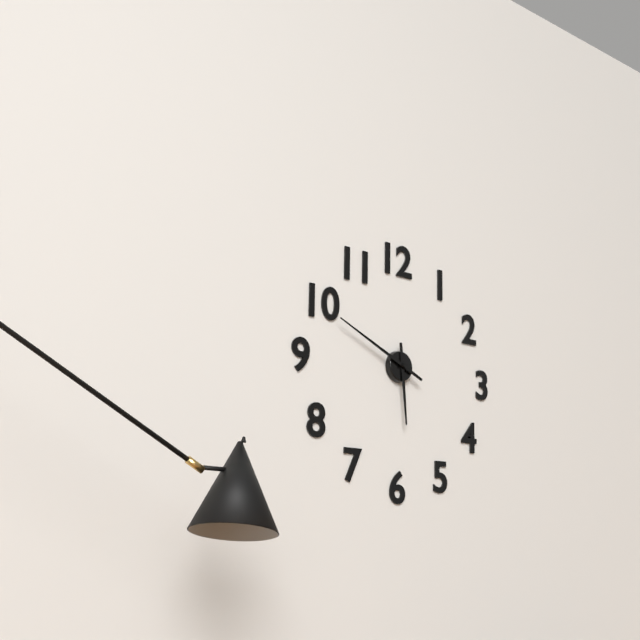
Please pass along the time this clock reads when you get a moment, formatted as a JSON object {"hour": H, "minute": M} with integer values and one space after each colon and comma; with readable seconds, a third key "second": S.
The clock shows {"hour": 5, "minute": 49}
